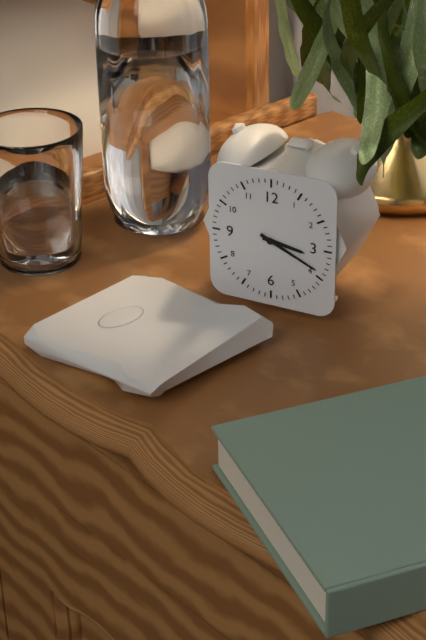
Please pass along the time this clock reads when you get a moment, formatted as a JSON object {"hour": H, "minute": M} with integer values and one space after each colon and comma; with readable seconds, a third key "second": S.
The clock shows {"hour": 3, "minute": 19}
